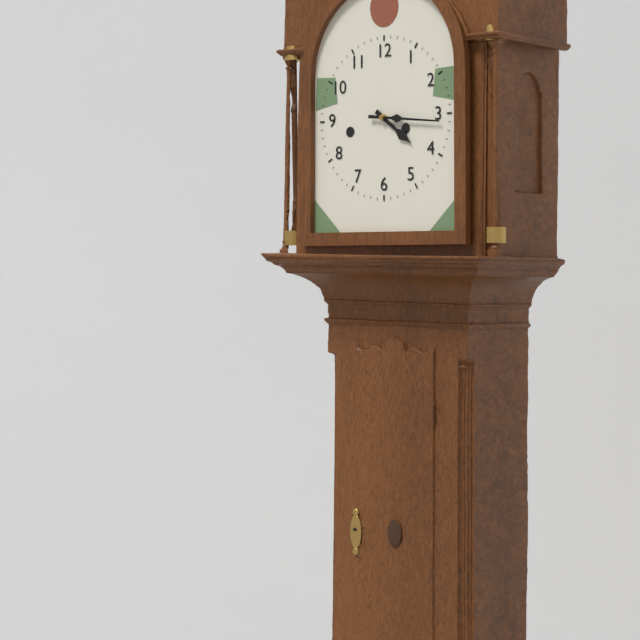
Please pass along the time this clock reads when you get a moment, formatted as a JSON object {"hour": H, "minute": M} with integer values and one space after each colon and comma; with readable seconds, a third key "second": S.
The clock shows {"hour": 4, "minute": 16}
